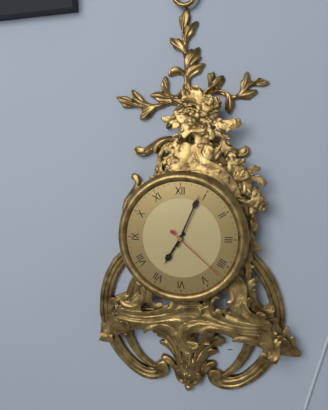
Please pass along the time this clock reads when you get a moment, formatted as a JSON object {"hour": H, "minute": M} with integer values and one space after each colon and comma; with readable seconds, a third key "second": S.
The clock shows {"hour": 7, "minute": 4, "second": 22}
